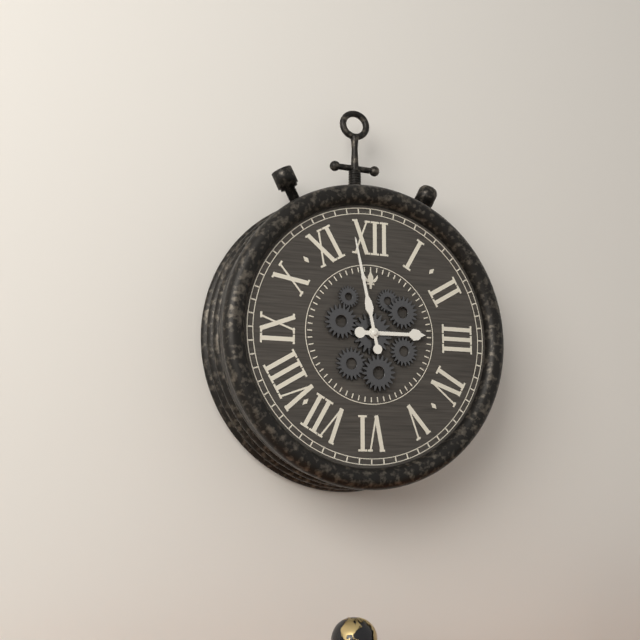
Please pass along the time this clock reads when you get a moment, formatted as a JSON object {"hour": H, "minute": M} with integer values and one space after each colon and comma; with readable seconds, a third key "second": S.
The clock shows {"hour": 2, "minute": 58}
